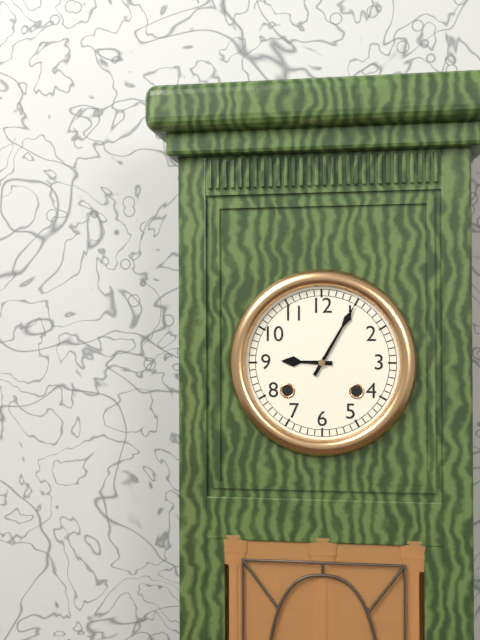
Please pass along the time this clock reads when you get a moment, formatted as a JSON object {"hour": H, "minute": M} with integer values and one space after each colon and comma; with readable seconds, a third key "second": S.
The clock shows {"hour": 9, "minute": 5}
